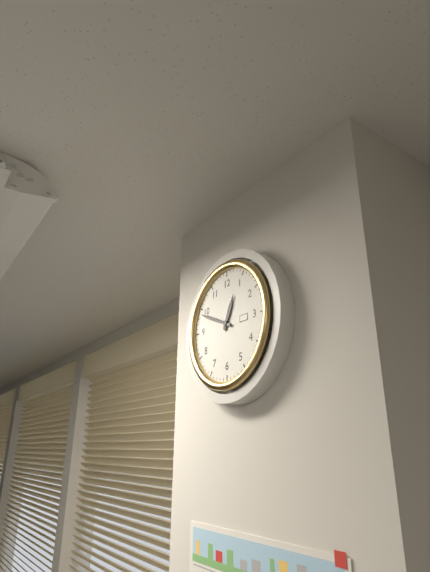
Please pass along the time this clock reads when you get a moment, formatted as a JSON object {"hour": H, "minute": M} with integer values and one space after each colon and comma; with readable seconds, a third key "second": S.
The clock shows {"hour": 12, "minute": 49}
